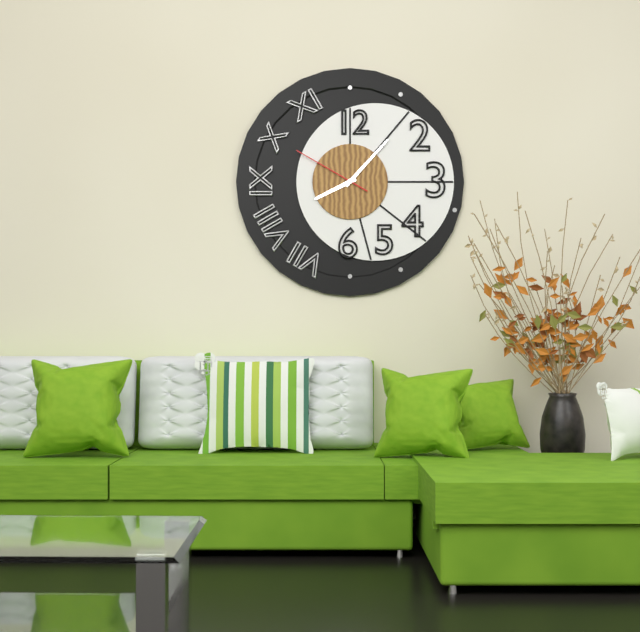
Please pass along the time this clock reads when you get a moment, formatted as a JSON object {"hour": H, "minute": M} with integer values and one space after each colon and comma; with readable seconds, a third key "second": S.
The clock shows {"hour": 8, "minute": 7, "second": 50}
